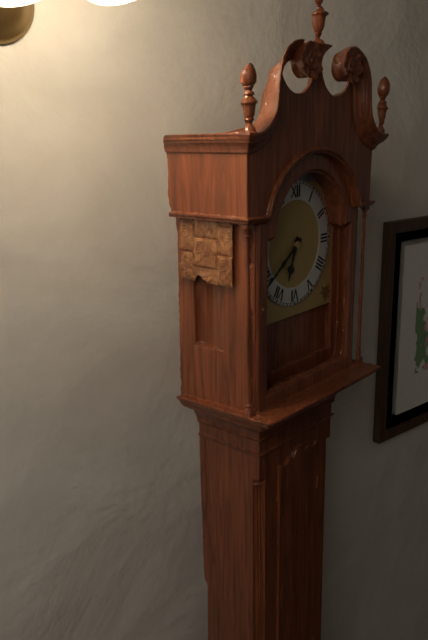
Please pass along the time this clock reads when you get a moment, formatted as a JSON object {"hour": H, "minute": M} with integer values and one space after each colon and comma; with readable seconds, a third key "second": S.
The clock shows {"hour": 6, "minute": 39}
